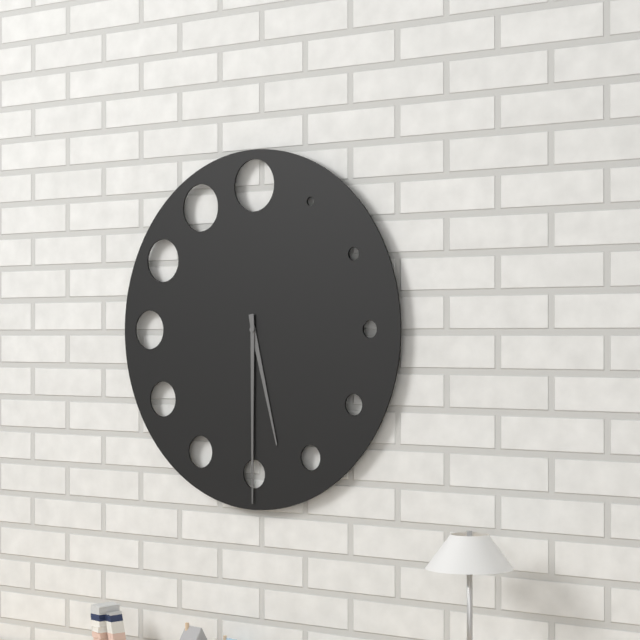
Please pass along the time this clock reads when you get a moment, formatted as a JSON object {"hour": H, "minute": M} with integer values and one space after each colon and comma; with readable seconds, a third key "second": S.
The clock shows {"hour": 5, "minute": 30}
